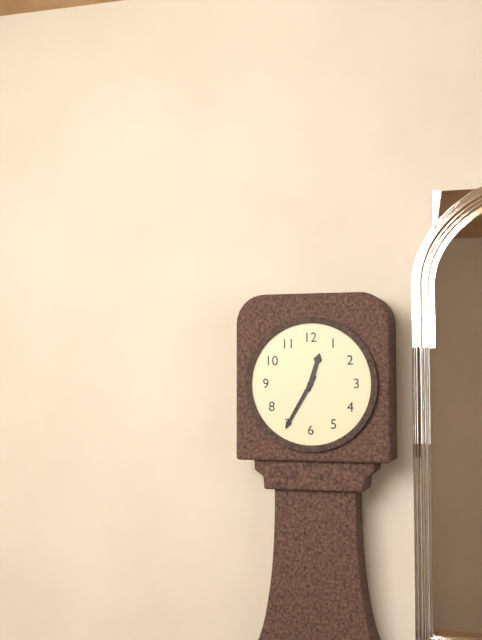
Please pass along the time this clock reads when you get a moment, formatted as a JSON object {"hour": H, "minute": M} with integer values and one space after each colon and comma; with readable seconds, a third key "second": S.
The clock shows {"hour": 12, "minute": 35}
